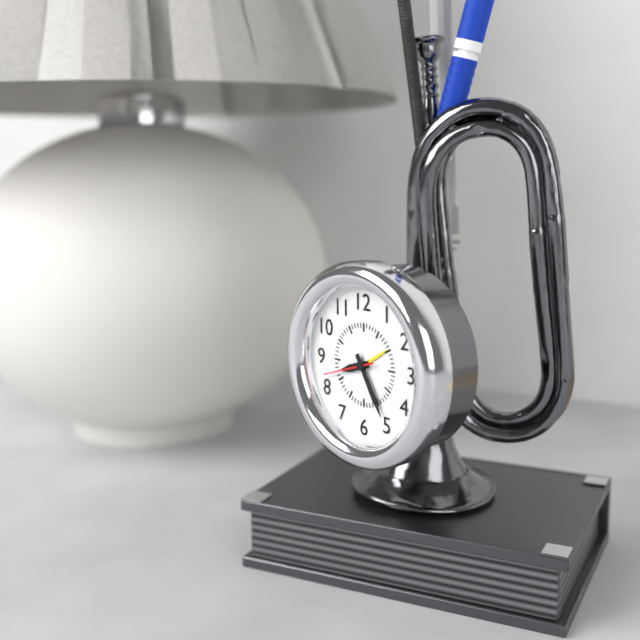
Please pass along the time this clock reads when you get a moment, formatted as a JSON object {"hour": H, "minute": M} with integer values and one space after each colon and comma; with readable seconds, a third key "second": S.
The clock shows {"hour": 8, "minute": 25, "second": 42}
